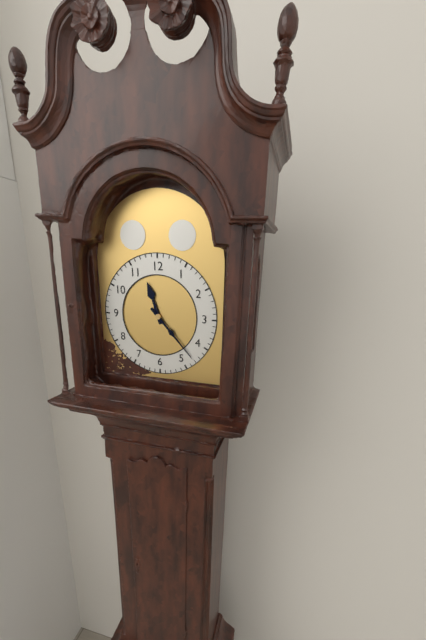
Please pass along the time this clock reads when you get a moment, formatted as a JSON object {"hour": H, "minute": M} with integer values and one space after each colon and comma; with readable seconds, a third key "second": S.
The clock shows {"hour": 11, "minute": 23}
